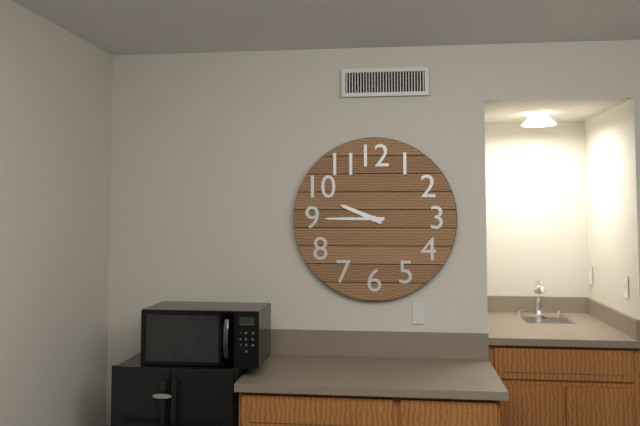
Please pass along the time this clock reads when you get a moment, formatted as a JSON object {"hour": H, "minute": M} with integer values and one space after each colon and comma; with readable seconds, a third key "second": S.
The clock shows {"hour": 9, "minute": 45}
